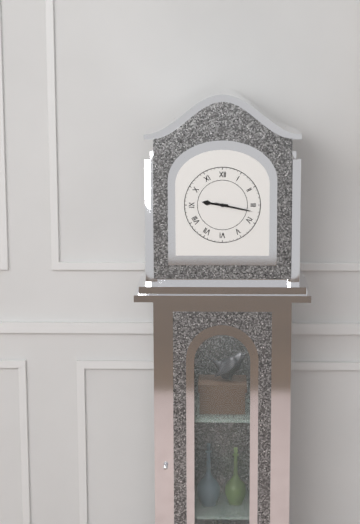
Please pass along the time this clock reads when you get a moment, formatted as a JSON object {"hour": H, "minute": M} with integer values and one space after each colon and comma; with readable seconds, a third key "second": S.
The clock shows {"hour": 9, "minute": 17}
